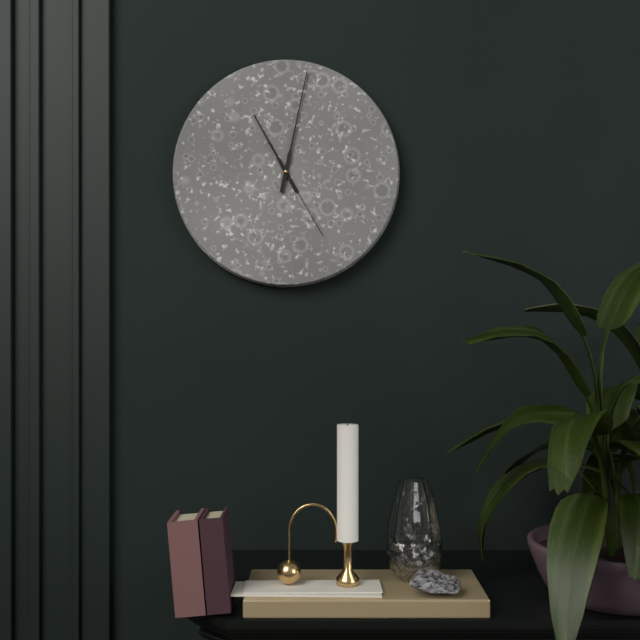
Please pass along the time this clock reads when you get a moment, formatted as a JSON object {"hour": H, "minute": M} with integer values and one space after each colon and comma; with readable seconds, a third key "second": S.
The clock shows {"hour": 11, "minute": 2, "second": 25}
